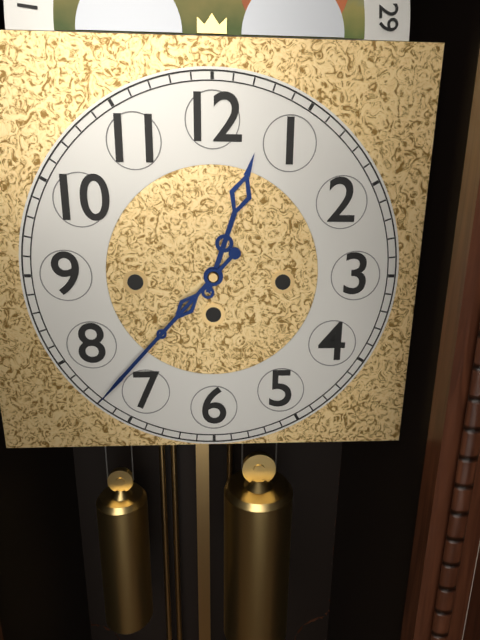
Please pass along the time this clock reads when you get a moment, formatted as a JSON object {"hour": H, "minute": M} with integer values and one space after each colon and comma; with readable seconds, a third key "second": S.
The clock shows {"hour": 12, "minute": 37}
